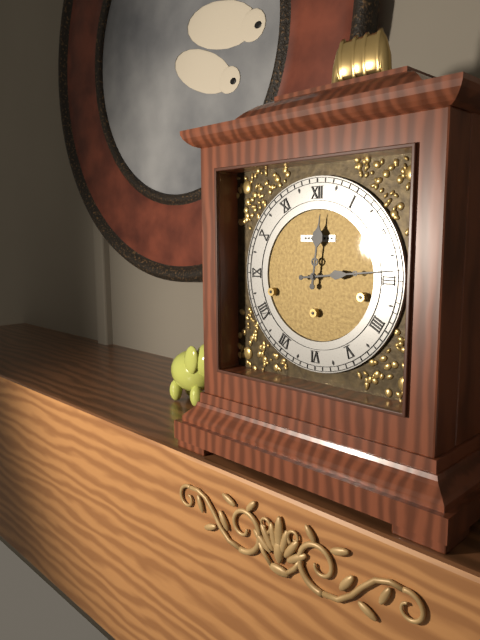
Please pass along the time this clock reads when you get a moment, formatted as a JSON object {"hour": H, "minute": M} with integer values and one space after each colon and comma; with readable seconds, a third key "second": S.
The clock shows {"hour": 12, "minute": 14}
